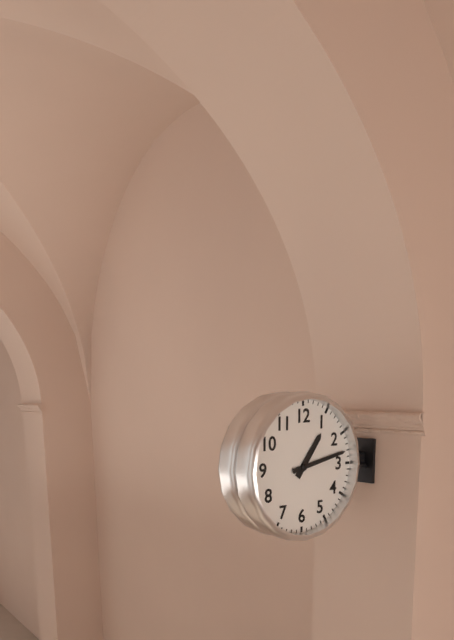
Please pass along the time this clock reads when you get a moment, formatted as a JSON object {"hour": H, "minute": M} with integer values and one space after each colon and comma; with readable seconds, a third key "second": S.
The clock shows {"hour": 1, "minute": 13}
